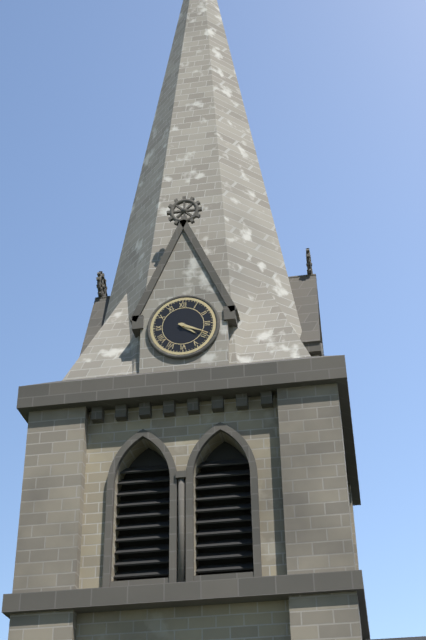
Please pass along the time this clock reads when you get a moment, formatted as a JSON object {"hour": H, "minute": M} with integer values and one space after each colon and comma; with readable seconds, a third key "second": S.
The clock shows {"hour": 4, "minute": 19}
